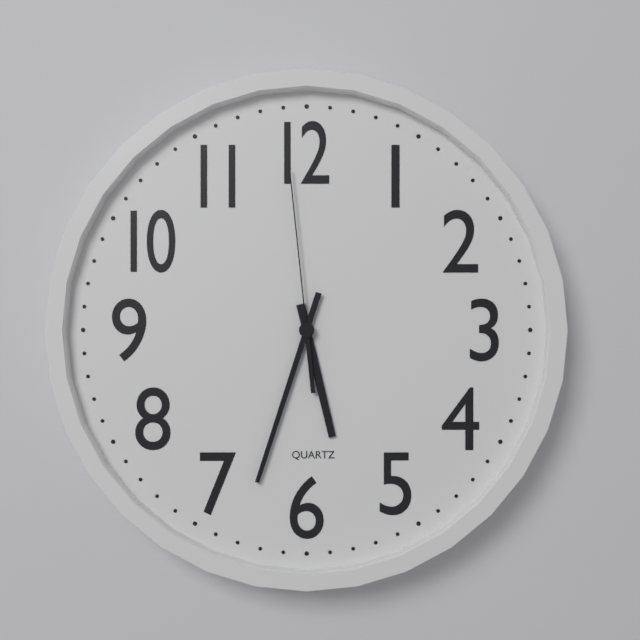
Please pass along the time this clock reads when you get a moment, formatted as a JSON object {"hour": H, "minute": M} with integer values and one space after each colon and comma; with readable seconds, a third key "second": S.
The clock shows {"hour": 5, "minute": 33, "second": 59}
